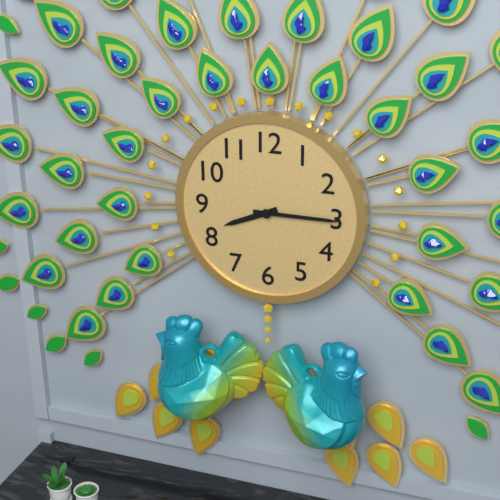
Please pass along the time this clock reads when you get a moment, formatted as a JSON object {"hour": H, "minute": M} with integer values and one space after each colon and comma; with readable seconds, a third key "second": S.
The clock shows {"hour": 8, "minute": 15}
